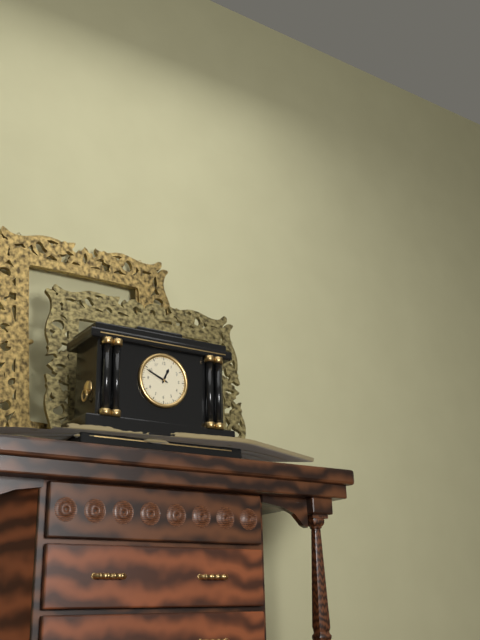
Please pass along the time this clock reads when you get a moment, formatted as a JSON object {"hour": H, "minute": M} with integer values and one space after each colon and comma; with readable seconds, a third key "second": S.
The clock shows {"hour": 12, "minute": 49}
